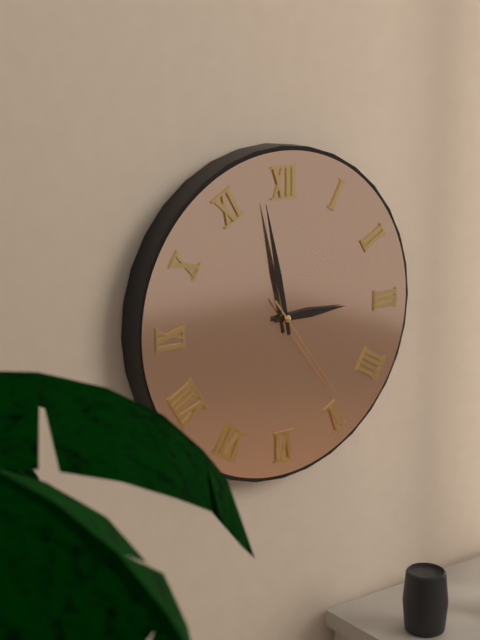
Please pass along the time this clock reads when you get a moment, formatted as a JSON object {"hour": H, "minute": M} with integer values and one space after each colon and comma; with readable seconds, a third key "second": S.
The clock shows {"hour": 2, "minute": 58, "second": 24}
